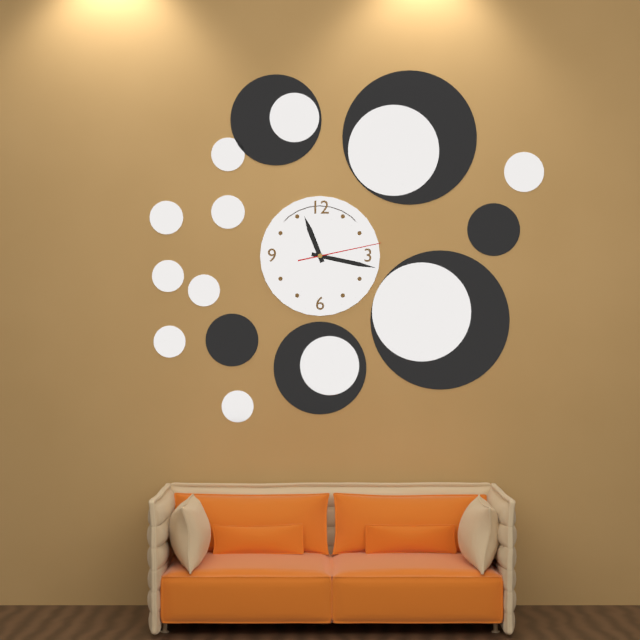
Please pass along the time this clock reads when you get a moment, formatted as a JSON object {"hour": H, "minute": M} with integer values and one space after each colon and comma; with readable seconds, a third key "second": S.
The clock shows {"hour": 11, "minute": 17, "second": 13}
